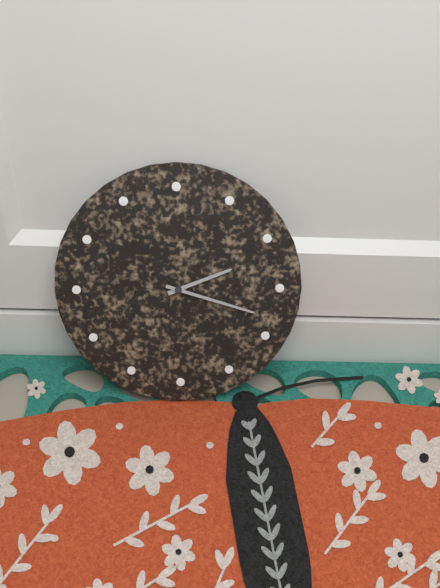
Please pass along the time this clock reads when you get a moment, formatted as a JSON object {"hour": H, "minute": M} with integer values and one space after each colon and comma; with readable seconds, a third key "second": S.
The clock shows {"hour": 2, "minute": 18}
